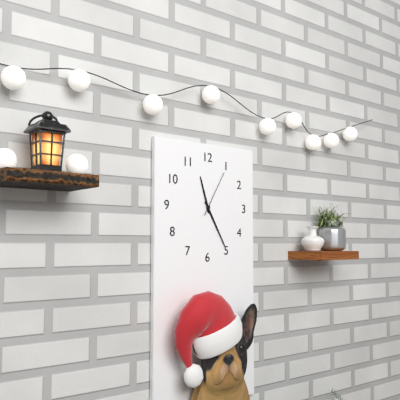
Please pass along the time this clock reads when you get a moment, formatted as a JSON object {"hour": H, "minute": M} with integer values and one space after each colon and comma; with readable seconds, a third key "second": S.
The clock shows {"hour": 11, "minute": 25}
